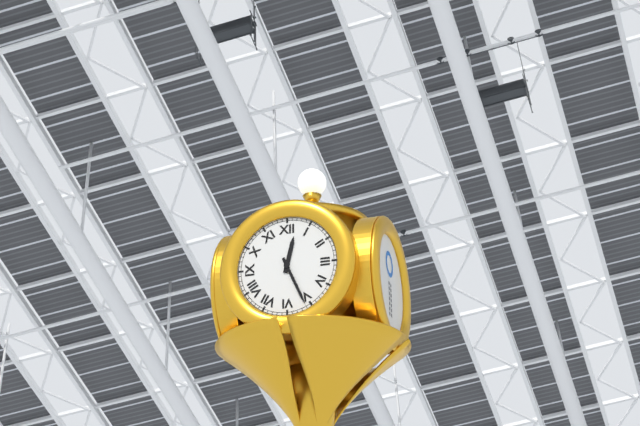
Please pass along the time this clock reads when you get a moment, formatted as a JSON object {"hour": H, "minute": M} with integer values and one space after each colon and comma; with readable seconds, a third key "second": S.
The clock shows {"hour": 12, "minute": 26}
